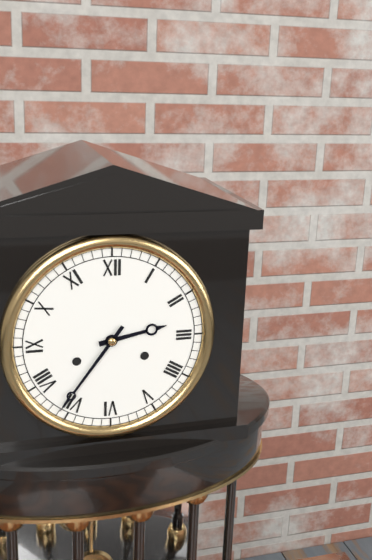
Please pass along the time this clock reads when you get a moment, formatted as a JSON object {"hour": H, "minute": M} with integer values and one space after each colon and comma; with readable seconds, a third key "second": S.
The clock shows {"hour": 2, "minute": 36}
